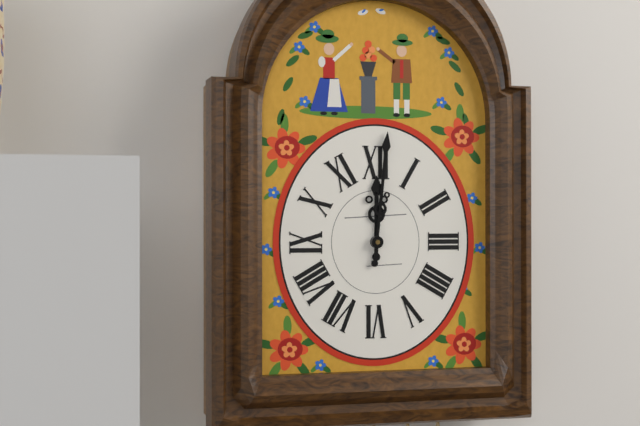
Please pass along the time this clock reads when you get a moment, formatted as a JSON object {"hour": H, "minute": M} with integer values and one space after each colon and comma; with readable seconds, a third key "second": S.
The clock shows {"hour": 12, "minute": 1}
